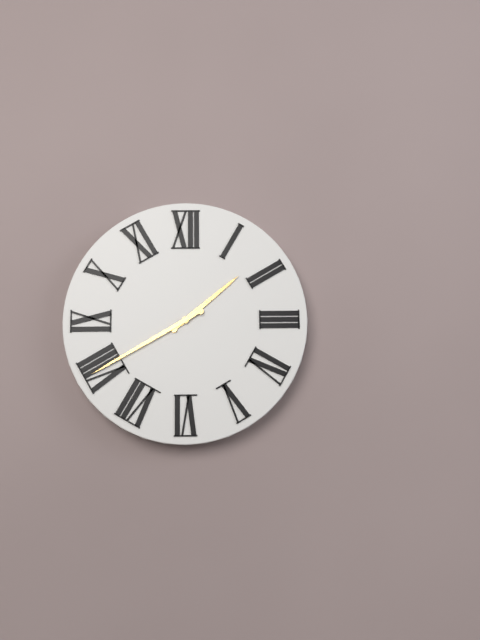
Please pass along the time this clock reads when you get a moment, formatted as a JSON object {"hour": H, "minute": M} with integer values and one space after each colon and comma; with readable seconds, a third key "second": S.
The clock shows {"hour": 1, "minute": 40}
